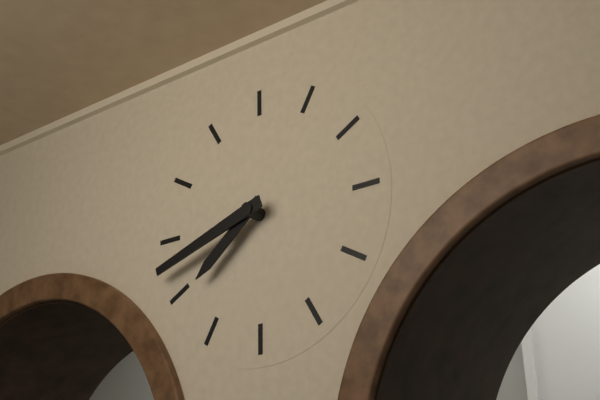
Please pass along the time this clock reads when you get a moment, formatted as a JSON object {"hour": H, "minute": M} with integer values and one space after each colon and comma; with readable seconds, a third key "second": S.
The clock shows {"hour": 7, "minute": 42}
